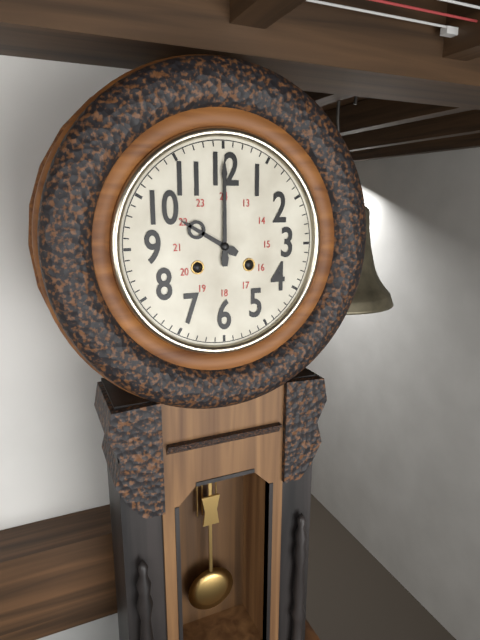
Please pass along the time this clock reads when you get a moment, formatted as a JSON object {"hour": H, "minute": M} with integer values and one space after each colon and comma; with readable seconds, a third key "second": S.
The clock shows {"hour": 10, "minute": 0}
